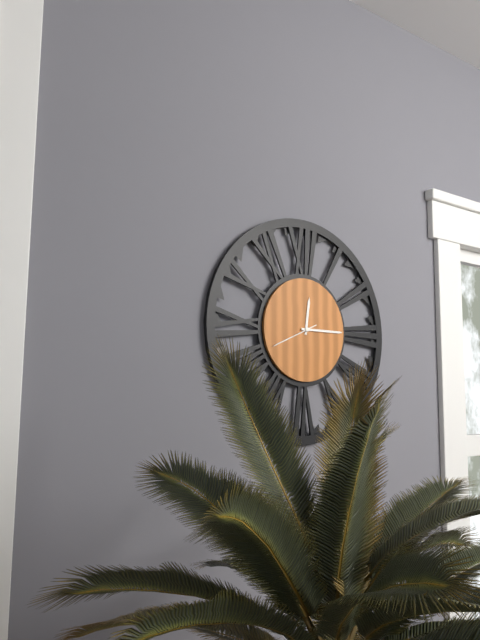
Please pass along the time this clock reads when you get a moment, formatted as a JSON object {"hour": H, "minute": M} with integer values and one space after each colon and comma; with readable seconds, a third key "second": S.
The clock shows {"hour": 12, "minute": 15}
